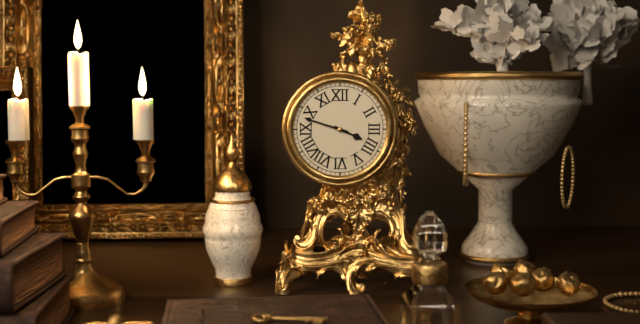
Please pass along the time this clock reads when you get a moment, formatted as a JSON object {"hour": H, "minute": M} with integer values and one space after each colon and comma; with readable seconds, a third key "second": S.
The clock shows {"hour": 3, "minute": 48}
